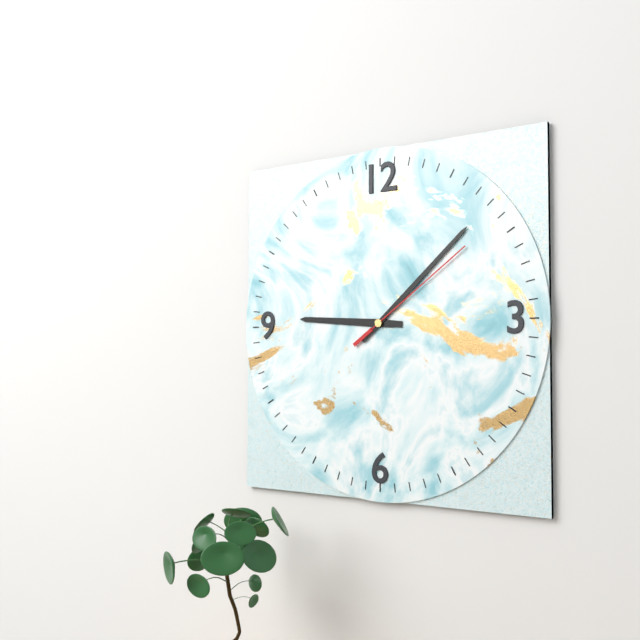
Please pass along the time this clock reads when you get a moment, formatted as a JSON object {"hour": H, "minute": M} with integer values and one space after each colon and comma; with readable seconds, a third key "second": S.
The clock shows {"hour": 9, "minute": 8, "second": 9}
